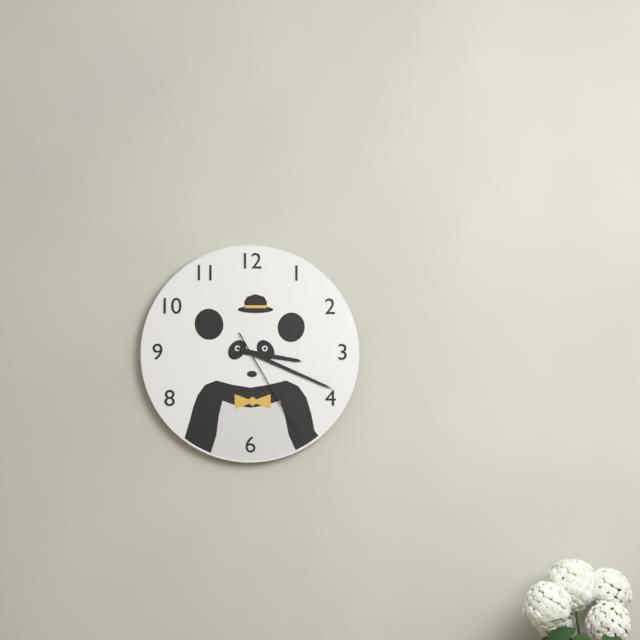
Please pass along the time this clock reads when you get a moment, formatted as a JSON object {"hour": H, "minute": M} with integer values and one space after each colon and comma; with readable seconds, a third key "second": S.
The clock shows {"hour": 3, "minute": 19, "second": 25}
